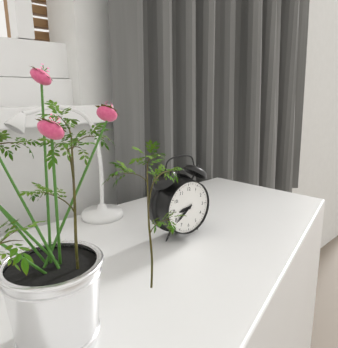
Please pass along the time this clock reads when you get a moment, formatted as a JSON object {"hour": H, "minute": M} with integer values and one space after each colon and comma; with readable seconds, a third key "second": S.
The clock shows {"hour": 8, "minute": 39}
